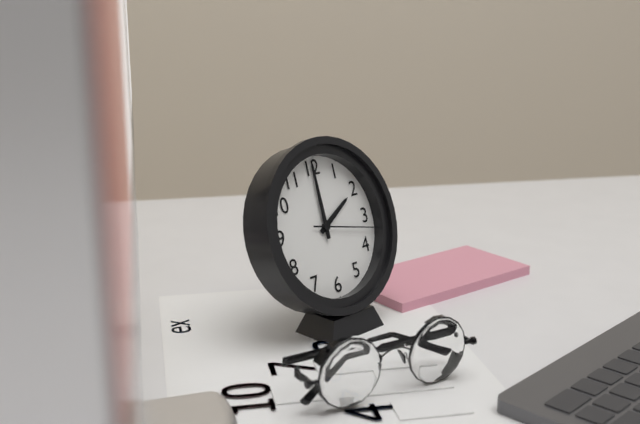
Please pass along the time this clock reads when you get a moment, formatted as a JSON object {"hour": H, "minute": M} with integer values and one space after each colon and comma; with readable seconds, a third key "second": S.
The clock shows {"hour": 2, "minute": 0, "second": 17}
